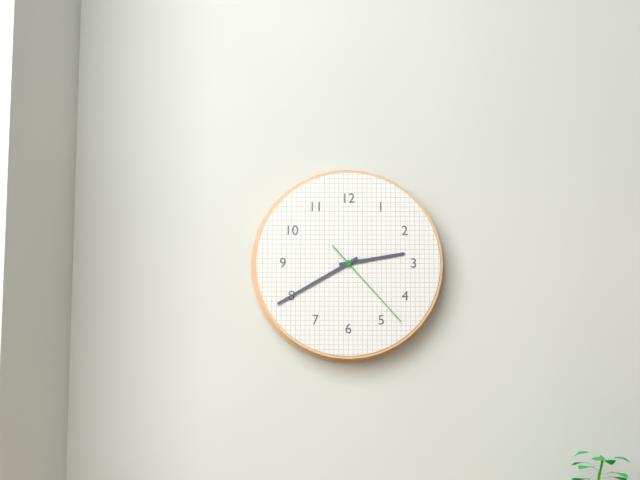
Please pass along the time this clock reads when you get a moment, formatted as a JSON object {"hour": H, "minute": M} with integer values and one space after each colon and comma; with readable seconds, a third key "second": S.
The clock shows {"hour": 2, "minute": 40, "second": 23}
